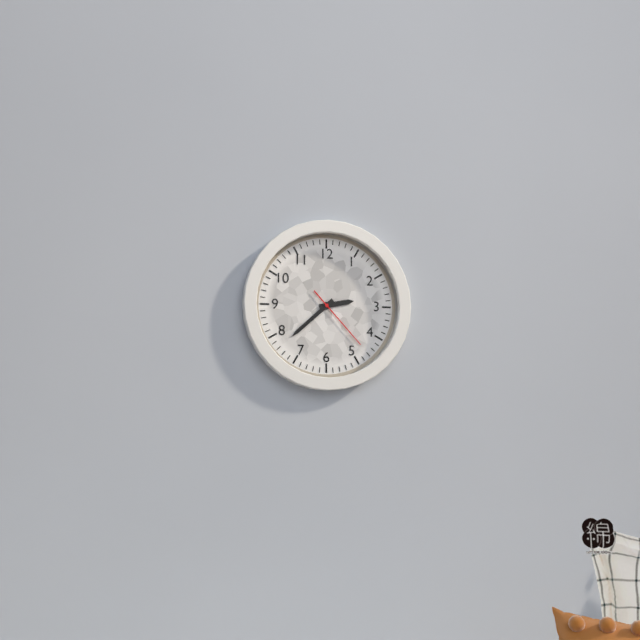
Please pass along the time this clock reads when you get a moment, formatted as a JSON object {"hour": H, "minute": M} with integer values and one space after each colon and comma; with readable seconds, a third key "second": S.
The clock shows {"hour": 2, "minute": 38, "second": 23}
